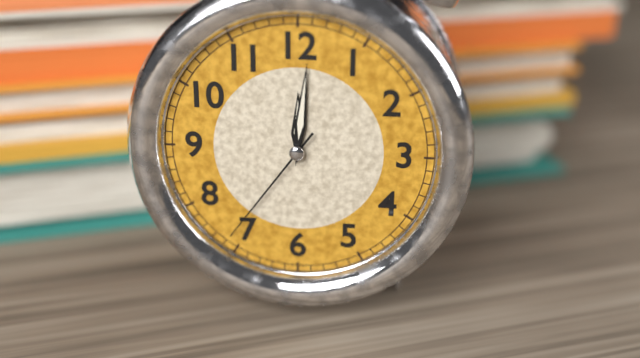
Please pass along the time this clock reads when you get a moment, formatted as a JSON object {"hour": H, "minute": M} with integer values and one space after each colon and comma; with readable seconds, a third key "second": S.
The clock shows {"hour": 12, "minute": 1, "second": 36}
